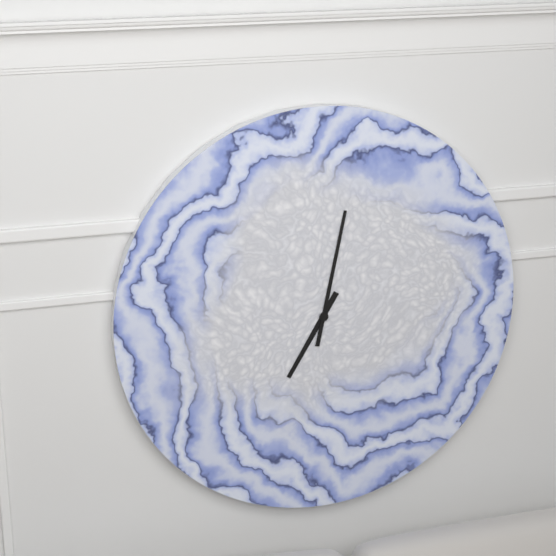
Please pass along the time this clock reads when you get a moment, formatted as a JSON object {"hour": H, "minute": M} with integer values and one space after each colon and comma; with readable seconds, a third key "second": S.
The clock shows {"hour": 7, "minute": 2}
